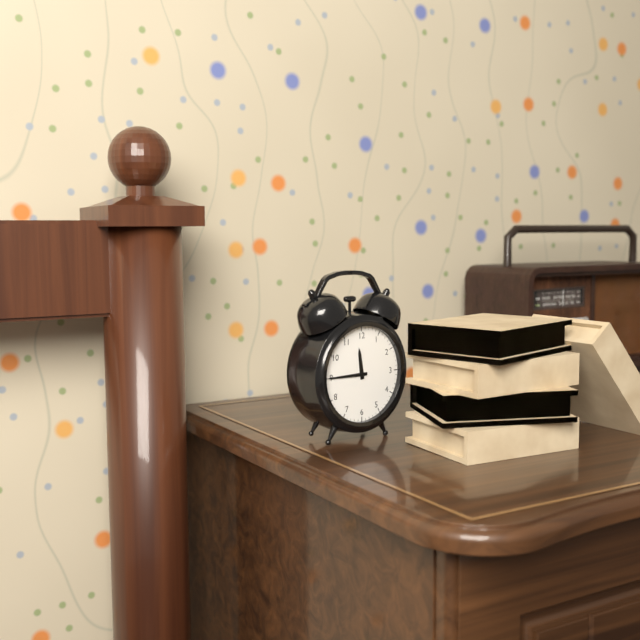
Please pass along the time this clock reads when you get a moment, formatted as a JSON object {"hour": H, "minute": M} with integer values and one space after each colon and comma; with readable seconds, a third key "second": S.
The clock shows {"hour": 11, "minute": 45}
